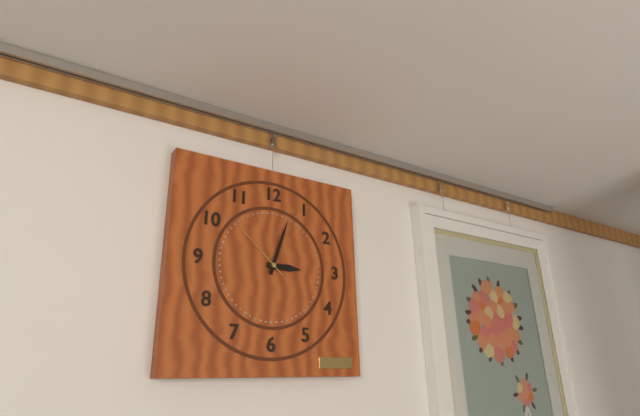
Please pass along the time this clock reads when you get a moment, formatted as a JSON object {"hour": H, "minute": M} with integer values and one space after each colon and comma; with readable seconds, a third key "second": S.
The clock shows {"hour": 3, "minute": 3, "second": 52}
